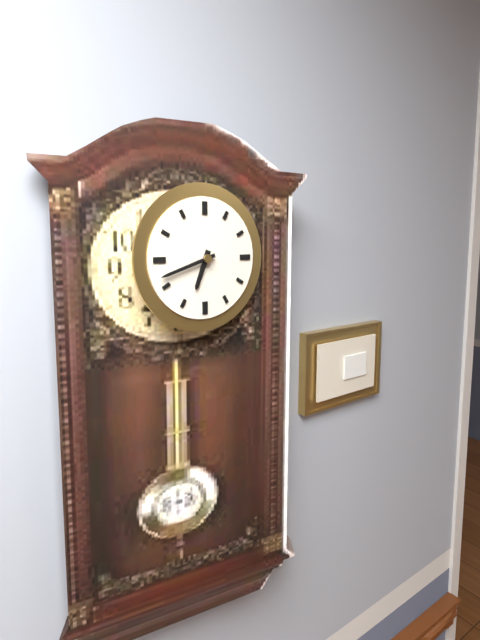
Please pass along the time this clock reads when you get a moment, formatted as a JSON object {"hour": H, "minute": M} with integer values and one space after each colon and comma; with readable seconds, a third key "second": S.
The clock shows {"hour": 6, "minute": 42}
